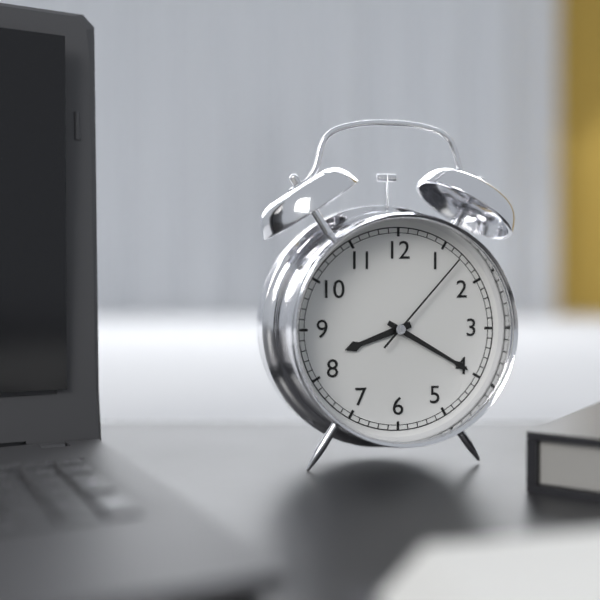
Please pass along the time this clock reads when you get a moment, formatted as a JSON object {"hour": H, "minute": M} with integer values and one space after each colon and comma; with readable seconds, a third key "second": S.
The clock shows {"hour": 8, "minute": 20, "second": 7}
